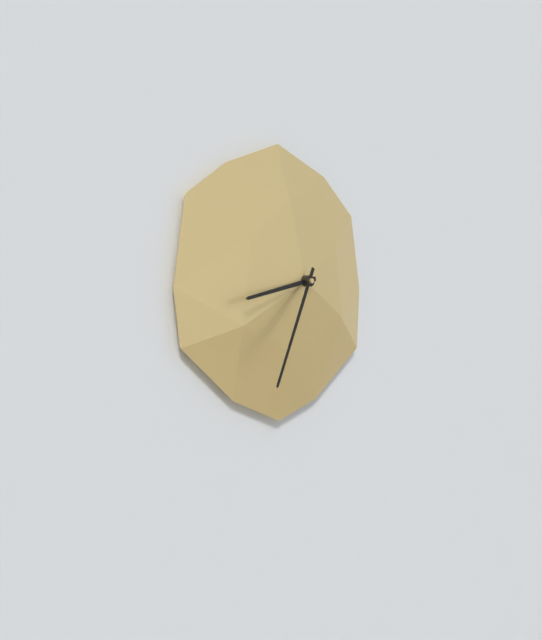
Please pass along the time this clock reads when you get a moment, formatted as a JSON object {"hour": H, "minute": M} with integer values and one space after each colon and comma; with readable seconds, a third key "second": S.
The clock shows {"hour": 8, "minute": 34}
